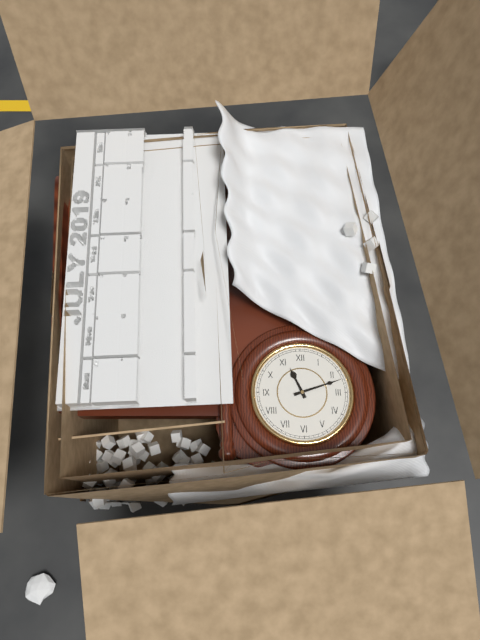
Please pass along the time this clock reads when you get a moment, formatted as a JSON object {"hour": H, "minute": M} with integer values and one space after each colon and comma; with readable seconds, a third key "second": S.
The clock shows {"hour": 11, "minute": 12}
